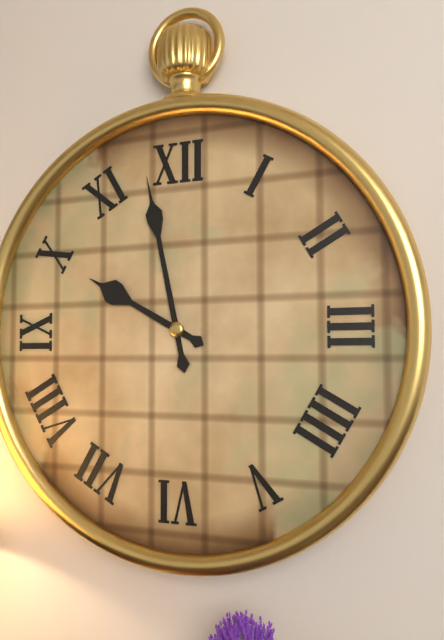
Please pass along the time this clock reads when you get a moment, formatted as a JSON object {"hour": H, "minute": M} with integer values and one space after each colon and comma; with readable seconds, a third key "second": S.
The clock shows {"hour": 9, "minute": 58}
